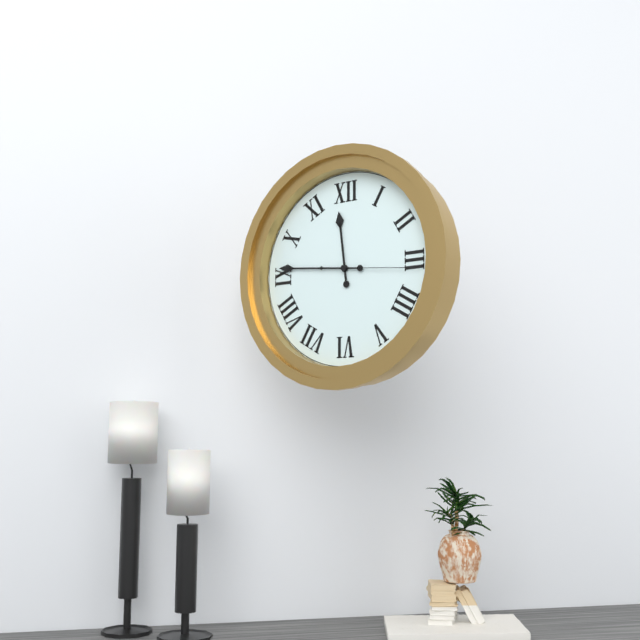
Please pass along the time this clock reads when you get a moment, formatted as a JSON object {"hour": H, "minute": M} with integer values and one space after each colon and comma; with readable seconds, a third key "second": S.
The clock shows {"hour": 11, "minute": 46, "second": 16}
